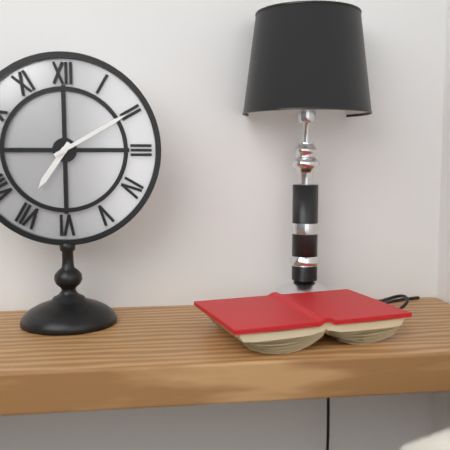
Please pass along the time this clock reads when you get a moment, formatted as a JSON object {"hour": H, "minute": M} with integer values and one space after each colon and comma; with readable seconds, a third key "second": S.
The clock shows {"hour": 7, "minute": 10}
